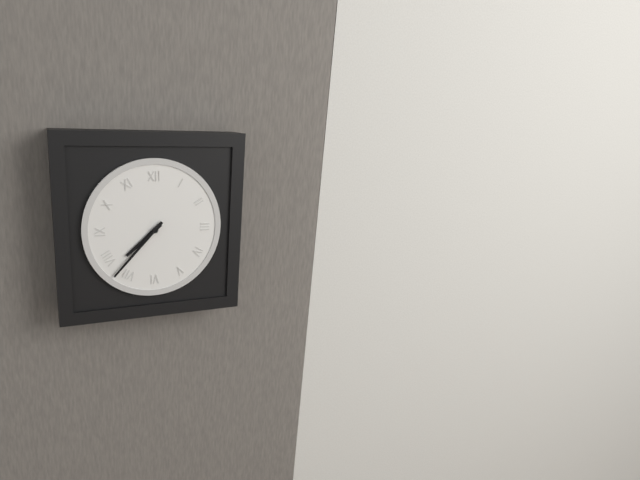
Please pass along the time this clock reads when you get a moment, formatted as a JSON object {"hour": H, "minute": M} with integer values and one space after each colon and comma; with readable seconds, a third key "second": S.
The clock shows {"hour": 7, "minute": 37}
